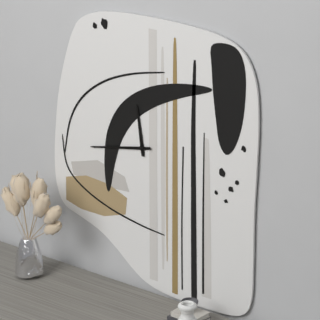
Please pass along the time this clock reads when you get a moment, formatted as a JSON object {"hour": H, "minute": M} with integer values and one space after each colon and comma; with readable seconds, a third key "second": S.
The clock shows {"hour": 11, "minute": 43}
